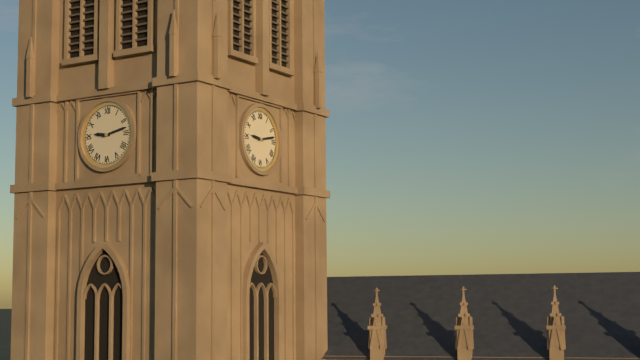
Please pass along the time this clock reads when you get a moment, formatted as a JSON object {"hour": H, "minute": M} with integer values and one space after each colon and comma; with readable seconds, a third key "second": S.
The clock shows {"hour": 9, "minute": 13}
